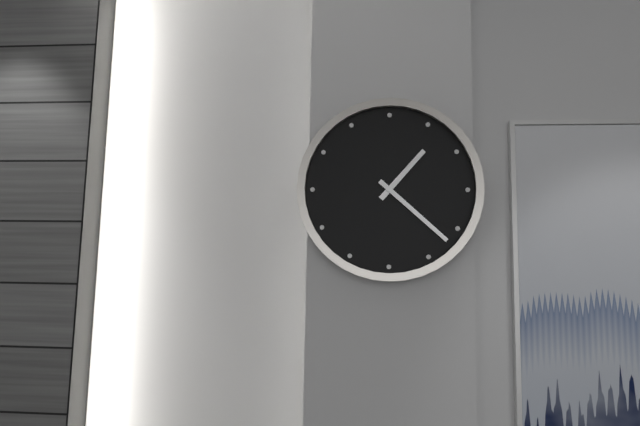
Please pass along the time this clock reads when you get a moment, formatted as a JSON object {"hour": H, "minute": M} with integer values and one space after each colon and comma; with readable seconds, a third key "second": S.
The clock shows {"hour": 1, "minute": 22}
